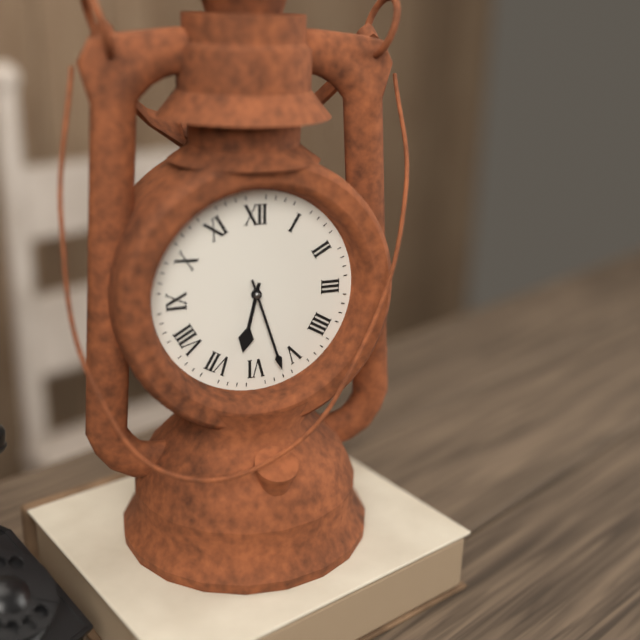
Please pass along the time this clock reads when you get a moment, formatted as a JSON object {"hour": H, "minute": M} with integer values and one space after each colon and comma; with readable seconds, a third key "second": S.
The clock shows {"hour": 6, "minute": 27}
